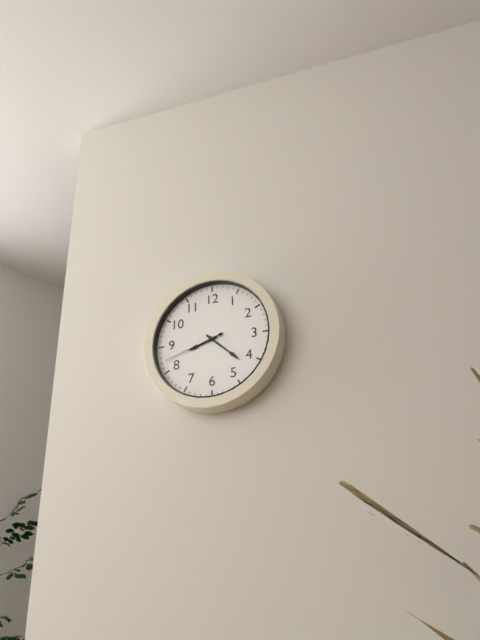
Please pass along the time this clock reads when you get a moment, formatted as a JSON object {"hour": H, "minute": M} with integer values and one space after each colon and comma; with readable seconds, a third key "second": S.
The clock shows {"hour": 8, "minute": 22, "second": 42}
